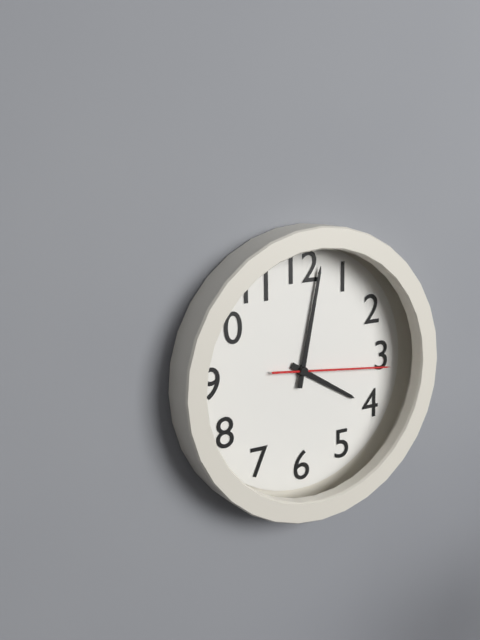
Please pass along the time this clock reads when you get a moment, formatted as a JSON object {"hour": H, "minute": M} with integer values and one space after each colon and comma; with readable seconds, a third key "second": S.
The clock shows {"hour": 4, "minute": 2, "second": 16}
